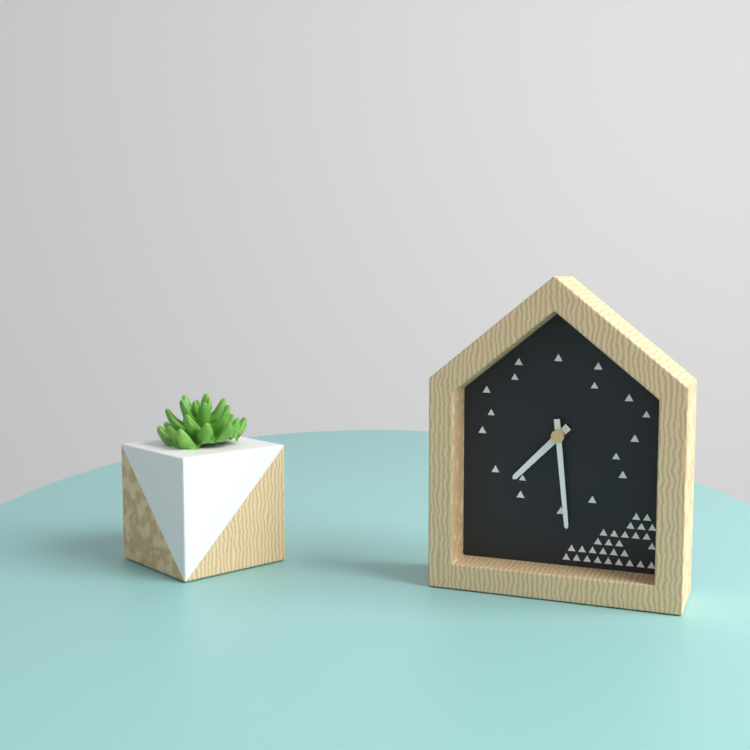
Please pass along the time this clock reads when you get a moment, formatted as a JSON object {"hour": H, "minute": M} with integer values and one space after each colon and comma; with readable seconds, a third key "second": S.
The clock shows {"hour": 7, "minute": 29}
